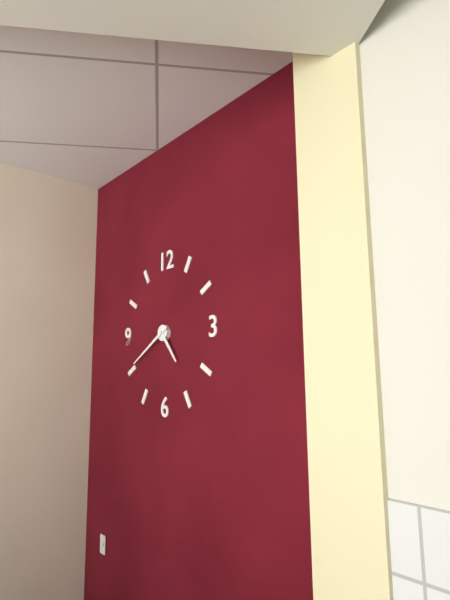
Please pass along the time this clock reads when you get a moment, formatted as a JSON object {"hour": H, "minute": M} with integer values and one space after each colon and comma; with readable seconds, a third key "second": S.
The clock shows {"hour": 4, "minute": 40}
